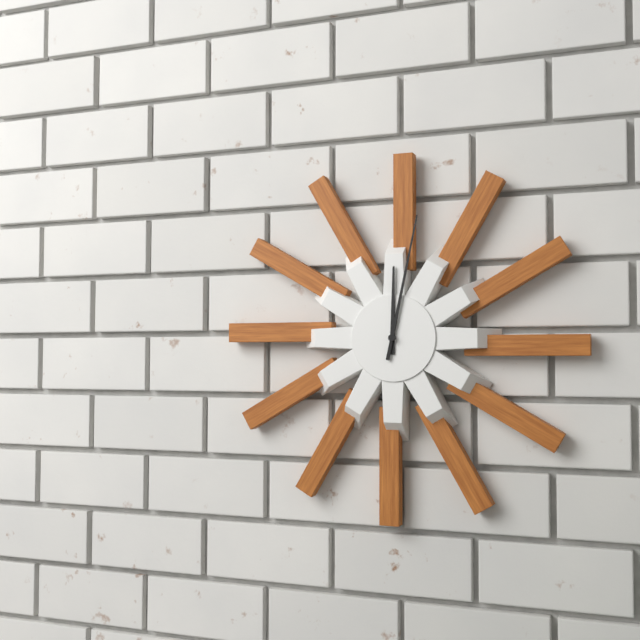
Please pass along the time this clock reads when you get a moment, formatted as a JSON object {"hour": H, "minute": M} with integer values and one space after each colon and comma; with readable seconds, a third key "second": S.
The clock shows {"hour": 12, "minute": 2}
